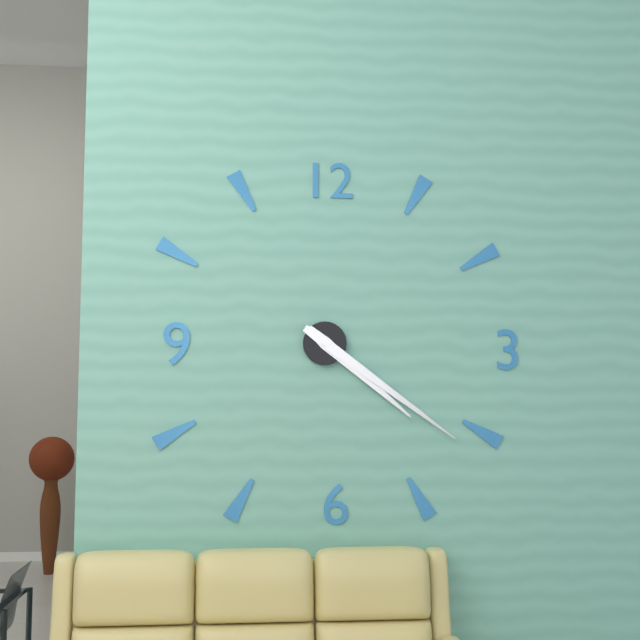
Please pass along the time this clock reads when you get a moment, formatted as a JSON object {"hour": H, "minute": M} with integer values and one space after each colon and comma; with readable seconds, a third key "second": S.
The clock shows {"hour": 4, "minute": 21}
